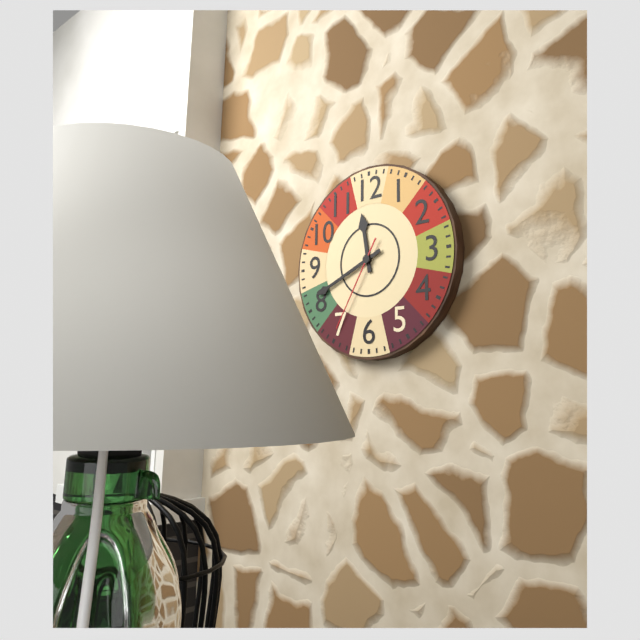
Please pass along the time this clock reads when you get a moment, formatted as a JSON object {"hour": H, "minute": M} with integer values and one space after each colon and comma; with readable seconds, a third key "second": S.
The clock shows {"hour": 11, "minute": 41, "second": 35}
